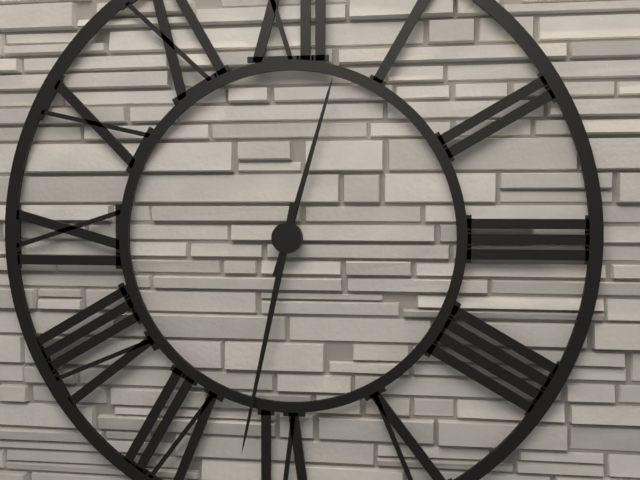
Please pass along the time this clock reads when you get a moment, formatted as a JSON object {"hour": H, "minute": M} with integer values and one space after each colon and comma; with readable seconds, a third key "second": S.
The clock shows {"hour": 12, "minute": 32}
